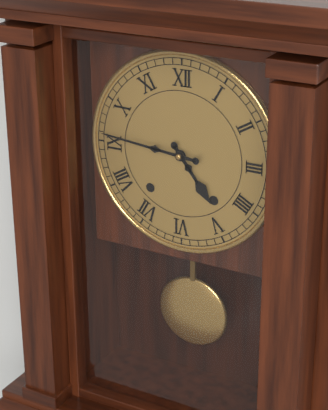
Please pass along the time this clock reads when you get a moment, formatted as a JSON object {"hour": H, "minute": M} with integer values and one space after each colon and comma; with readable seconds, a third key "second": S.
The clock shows {"hour": 4, "minute": 46}
